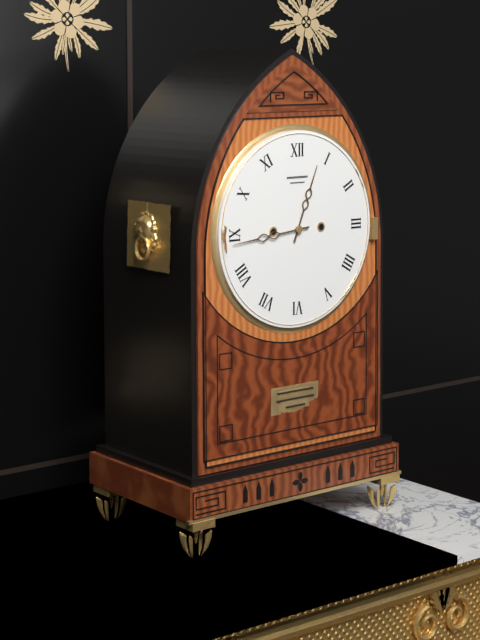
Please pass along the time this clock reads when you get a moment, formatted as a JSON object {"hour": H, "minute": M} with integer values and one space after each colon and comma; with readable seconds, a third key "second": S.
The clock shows {"hour": 12, "minute": 44}
